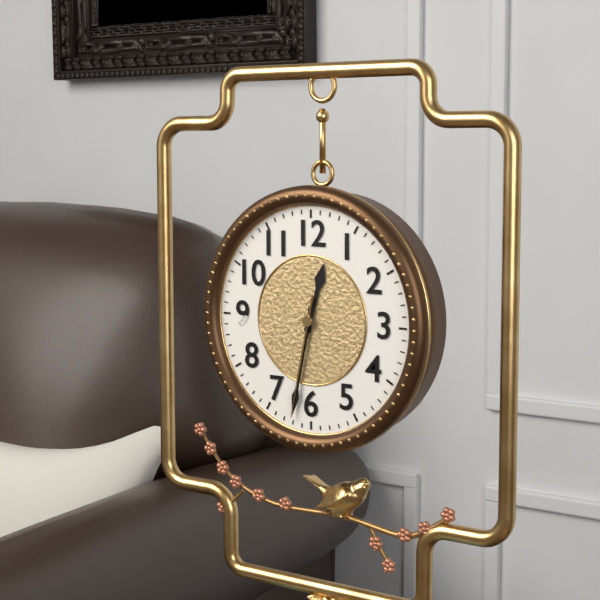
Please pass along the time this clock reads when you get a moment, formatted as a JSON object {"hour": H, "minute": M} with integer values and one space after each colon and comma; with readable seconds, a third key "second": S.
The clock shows {"hour": 12, "minute": 32, "second": 32}
